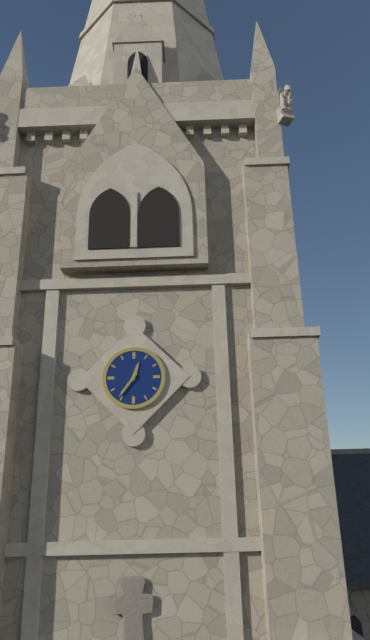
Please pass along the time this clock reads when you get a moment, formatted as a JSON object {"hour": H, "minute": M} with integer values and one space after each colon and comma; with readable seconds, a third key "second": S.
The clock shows {"hour": 12, "minute": 36}
